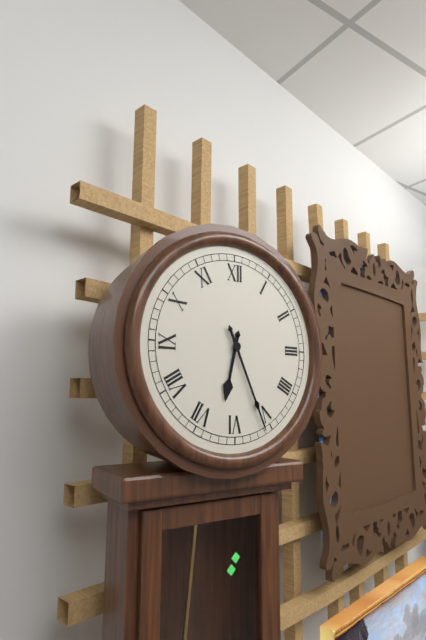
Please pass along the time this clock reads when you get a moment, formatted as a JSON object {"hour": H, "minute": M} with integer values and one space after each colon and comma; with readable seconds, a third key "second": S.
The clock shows {"hour": 6, "minute": 26}
